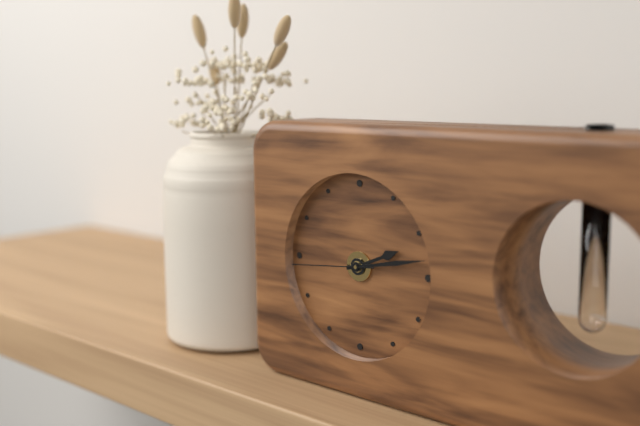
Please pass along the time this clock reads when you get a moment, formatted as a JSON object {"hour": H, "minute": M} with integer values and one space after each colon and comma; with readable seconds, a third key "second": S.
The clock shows {"hour": 2, "minute": 13, "second": 44}
